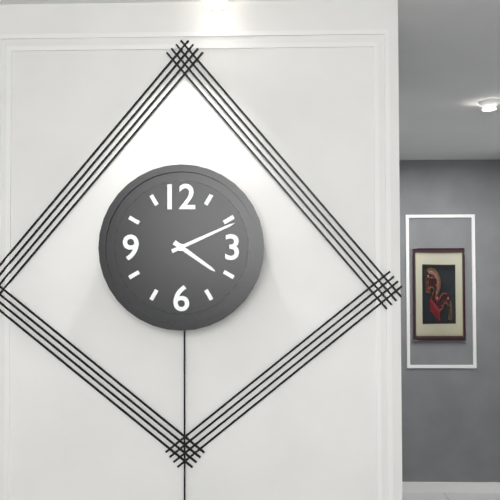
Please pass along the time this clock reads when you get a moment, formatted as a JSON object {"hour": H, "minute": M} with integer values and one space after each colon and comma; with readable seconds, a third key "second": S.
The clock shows {"hour": 4, "minute": 11}
